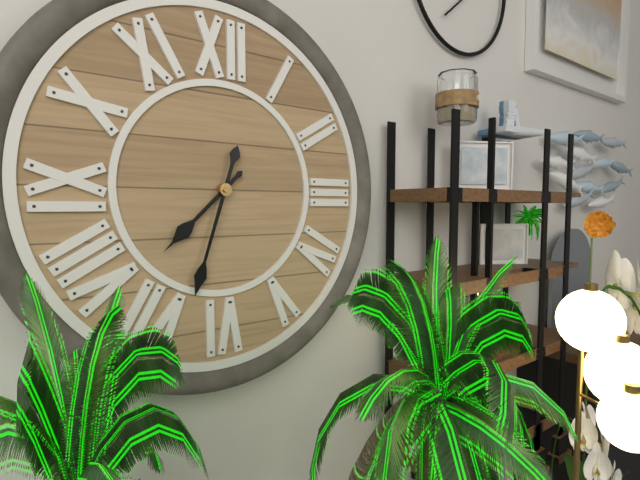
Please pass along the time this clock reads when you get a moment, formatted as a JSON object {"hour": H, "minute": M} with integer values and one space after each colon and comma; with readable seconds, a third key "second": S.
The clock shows {"hour": 7, "minute": 33}
